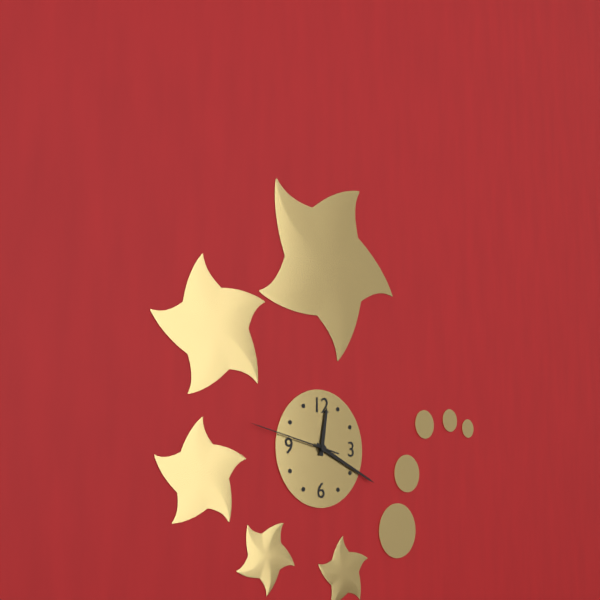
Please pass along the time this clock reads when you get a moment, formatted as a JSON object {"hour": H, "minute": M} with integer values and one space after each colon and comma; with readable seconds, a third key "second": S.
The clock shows {"hour": 12, "minute": 19, "second": 47}
